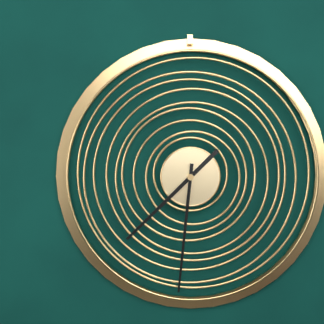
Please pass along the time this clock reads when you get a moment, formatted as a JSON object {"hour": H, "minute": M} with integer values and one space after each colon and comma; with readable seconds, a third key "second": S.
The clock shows {"hour": 7, "minute": 31}
